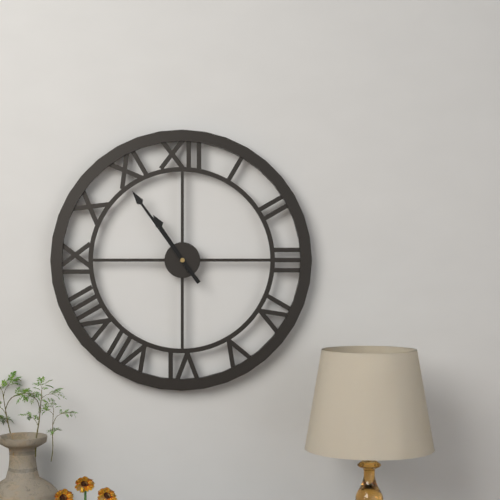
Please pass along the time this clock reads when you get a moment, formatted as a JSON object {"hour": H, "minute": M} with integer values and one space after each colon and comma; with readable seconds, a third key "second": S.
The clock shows {"hour": 10, "minute": 54}
